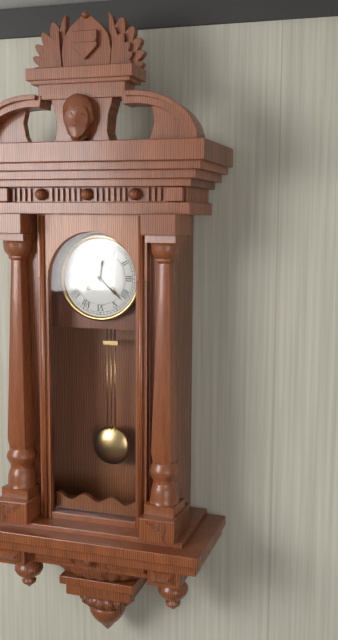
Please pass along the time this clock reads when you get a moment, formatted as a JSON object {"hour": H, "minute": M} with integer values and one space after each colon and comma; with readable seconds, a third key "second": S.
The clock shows {"hour": 12, "minute": 22}
